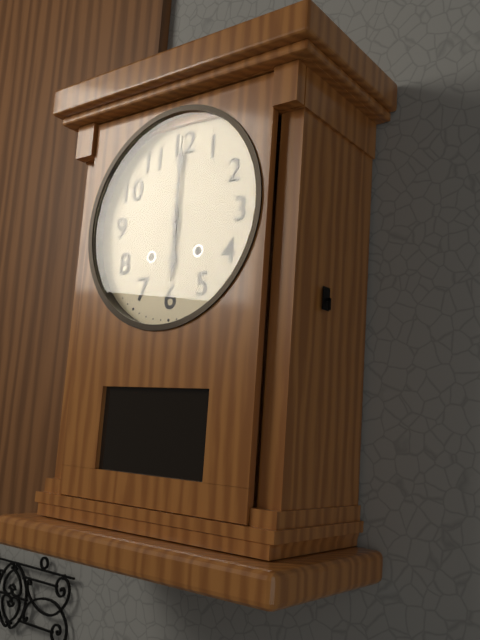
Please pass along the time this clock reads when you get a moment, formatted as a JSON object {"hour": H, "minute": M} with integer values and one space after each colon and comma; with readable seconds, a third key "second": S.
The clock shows {"hour": 6, "minute": 0}
